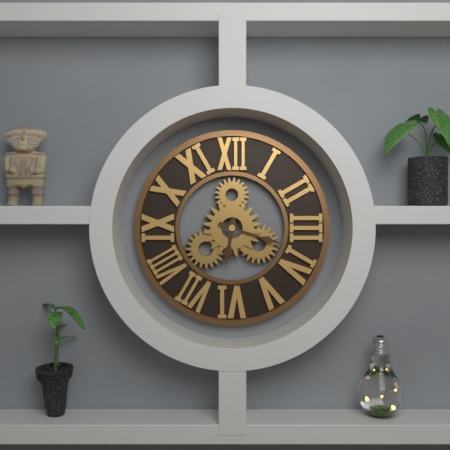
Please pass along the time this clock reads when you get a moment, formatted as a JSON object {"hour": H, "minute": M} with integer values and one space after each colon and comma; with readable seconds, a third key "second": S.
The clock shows {"hour": 6, "minute": 18}
